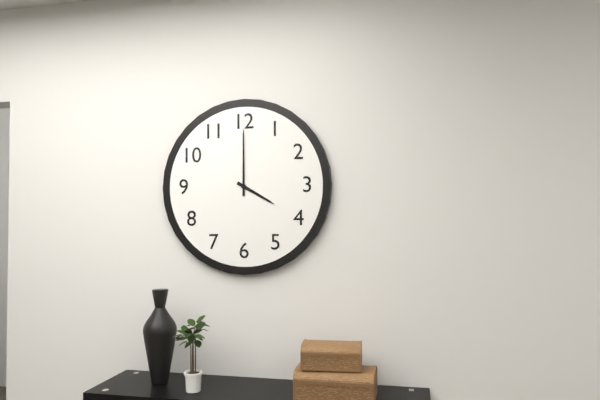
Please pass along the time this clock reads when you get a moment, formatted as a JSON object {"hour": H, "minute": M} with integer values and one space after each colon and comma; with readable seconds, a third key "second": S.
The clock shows {"hour": 4, "minute": 0}
